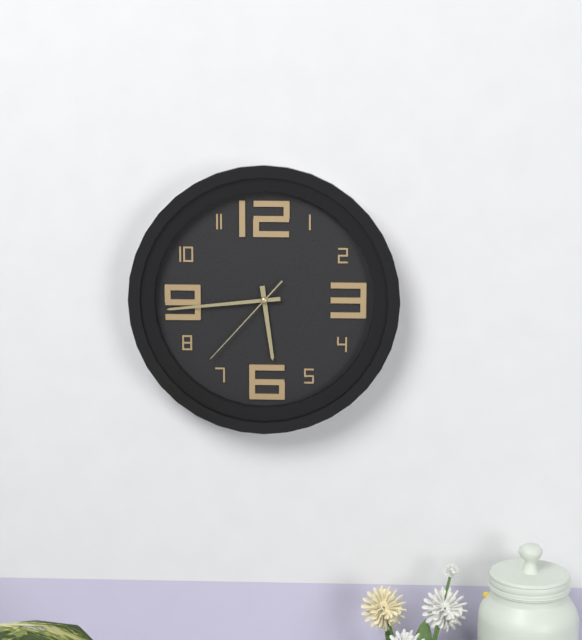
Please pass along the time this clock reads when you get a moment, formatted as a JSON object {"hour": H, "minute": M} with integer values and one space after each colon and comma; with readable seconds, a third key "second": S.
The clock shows {"hour": 5, "minute": 44, "second": 37}
